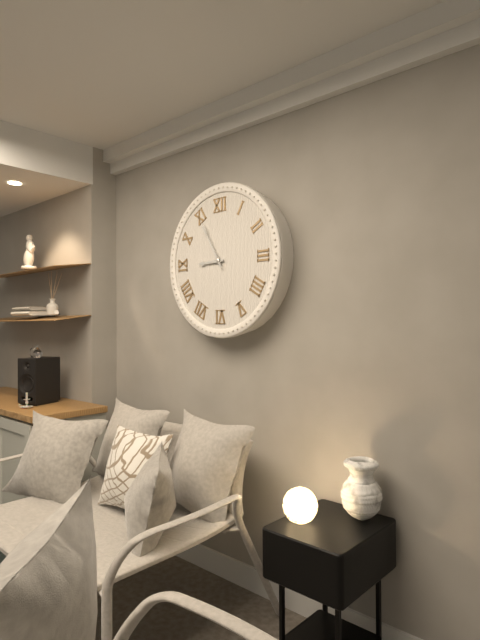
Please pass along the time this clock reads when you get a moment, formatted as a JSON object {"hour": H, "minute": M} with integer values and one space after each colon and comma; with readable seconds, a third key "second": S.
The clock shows {"hour": 8, "minute": 55}
